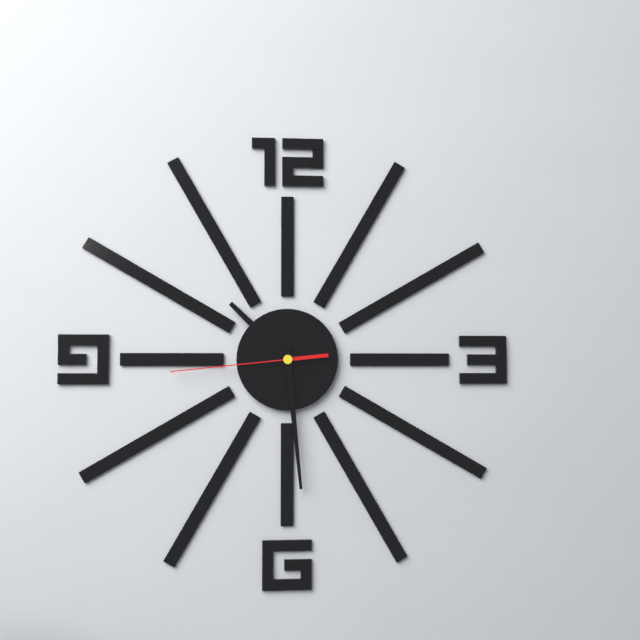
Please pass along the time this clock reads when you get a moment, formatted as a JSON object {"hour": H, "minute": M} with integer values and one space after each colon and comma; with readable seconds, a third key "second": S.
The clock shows {"hour": 10, "minute": 29, "second": 44}
